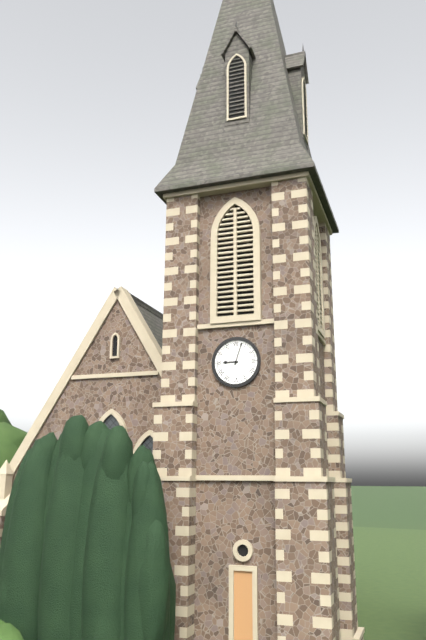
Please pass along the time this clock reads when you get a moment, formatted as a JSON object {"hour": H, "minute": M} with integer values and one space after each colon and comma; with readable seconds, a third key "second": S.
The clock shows {"hour": 9, "minute": 3}
